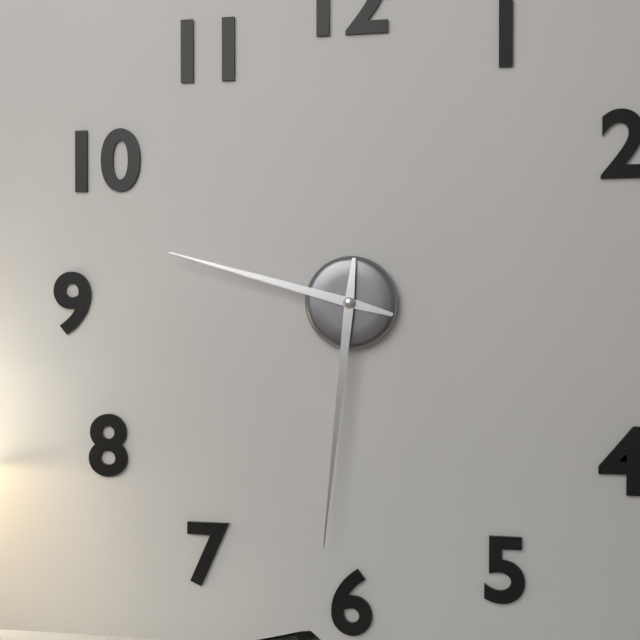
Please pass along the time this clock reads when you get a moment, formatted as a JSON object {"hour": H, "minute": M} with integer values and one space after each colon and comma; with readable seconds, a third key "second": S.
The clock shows {"hour": 9, "minute": 31}
